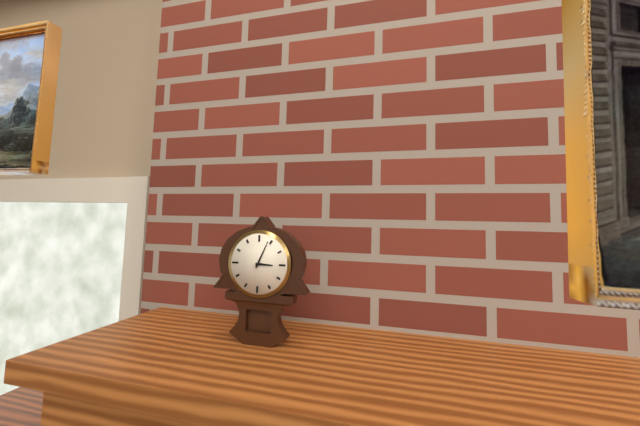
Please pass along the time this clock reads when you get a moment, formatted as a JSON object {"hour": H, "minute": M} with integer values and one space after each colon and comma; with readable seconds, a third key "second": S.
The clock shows {"hour": 3, "minute": 4}
